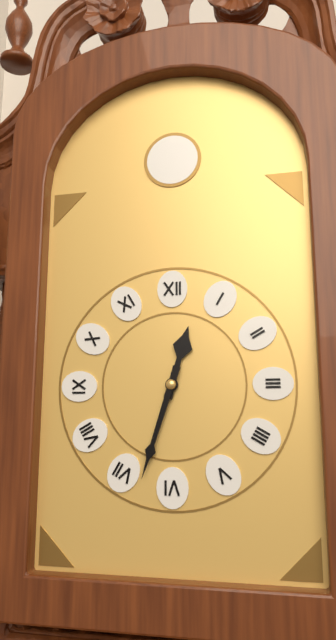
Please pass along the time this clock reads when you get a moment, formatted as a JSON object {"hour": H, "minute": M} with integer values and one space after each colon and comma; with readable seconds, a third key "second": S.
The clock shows {"hour": 12, "minute": 33}
